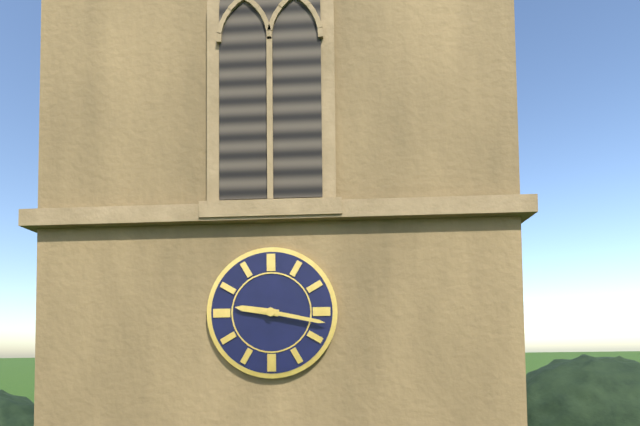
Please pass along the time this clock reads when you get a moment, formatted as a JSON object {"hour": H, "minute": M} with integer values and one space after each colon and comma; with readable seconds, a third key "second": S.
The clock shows {"hour": 9, "minute": 17}
